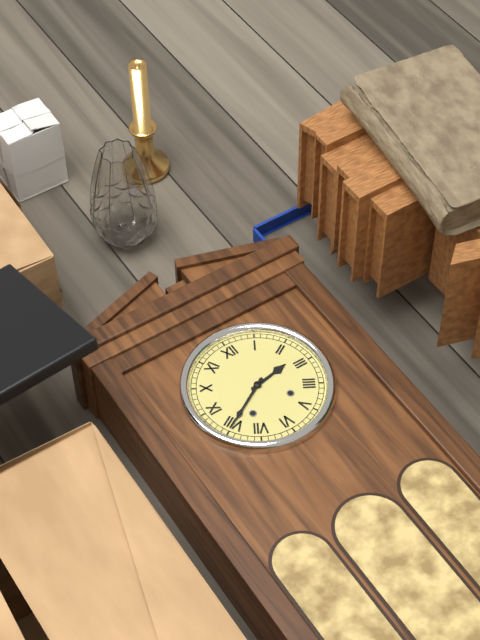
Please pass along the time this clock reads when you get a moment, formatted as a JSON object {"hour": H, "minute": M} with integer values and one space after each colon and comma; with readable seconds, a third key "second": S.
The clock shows {"hour": 2, "minute": 40}
